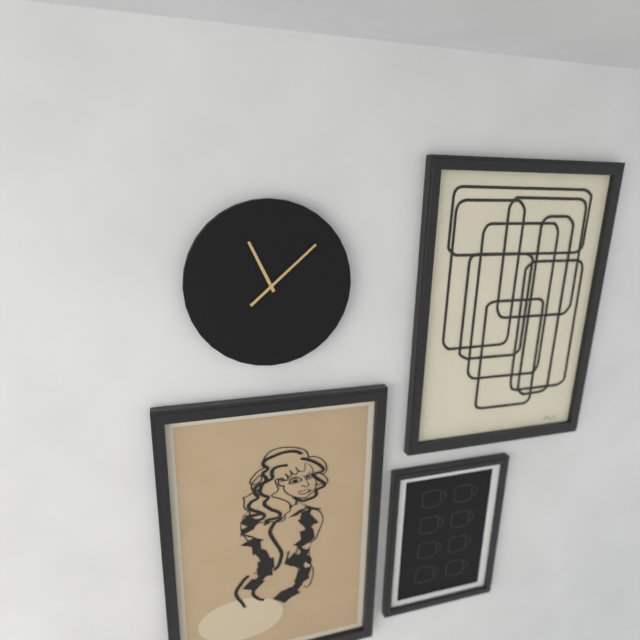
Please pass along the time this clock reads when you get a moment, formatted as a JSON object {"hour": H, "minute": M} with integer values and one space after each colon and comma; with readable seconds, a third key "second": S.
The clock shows {"hour": 11, "minute": 8}
